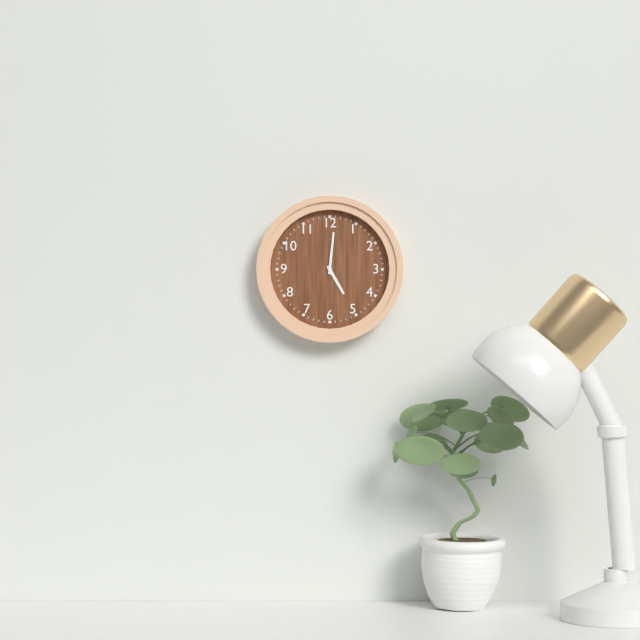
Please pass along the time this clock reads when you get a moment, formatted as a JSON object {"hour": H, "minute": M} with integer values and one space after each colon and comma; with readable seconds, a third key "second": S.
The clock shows {"hour": 5, "minute": 1}
